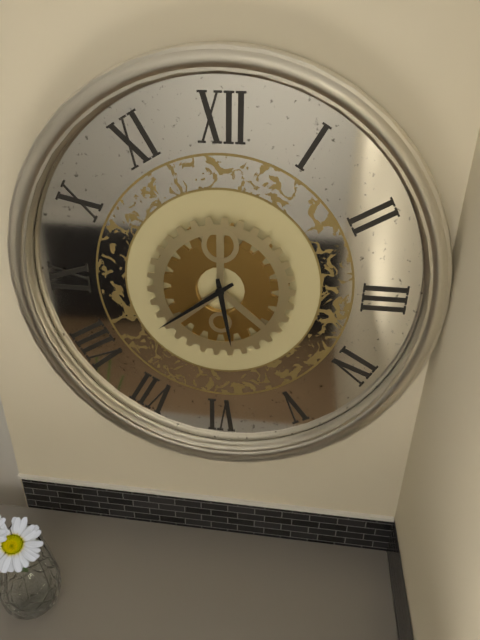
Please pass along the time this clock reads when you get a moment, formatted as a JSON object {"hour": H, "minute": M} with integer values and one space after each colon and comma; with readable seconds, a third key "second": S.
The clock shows {"hour": 5, "minute": 39}
